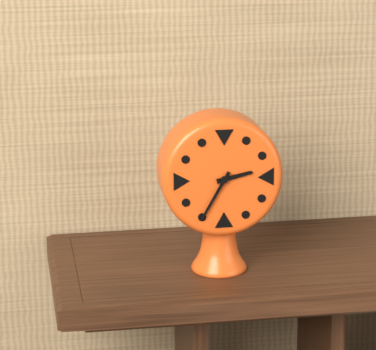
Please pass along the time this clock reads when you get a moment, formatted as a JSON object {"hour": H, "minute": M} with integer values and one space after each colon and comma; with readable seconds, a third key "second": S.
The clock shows {"hour": 2, "minute": 35}
